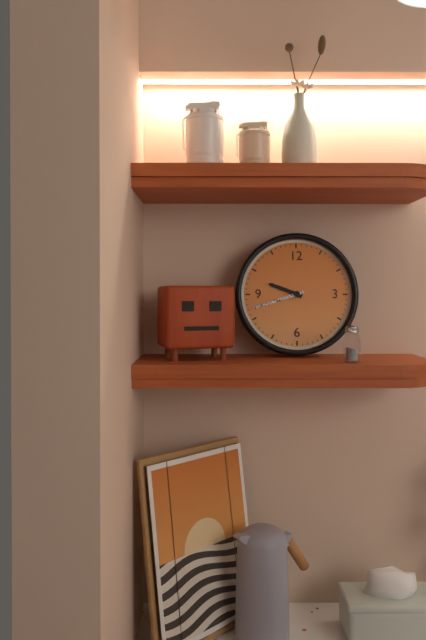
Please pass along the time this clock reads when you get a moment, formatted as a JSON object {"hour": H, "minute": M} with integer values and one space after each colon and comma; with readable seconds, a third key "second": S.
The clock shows {"hour": 9, "minute": 42}
